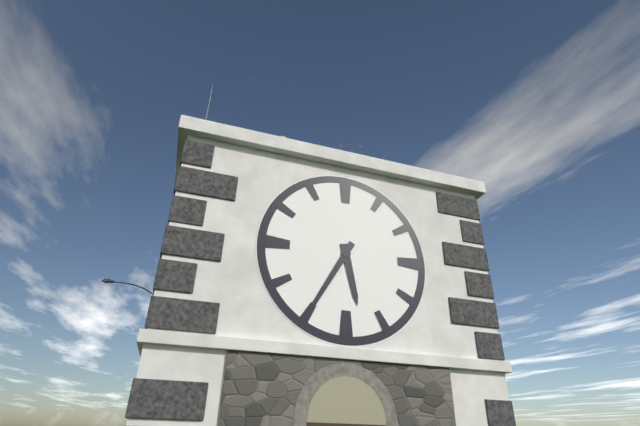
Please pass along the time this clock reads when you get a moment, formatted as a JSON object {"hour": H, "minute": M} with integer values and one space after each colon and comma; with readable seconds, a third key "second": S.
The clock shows {"hour": 5, "minute": 35}
